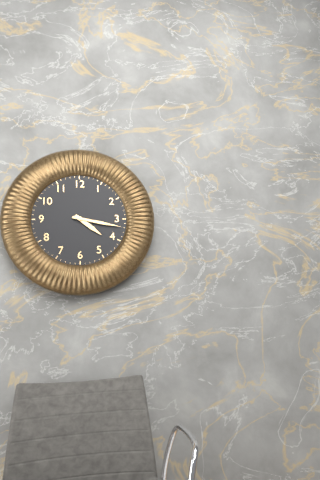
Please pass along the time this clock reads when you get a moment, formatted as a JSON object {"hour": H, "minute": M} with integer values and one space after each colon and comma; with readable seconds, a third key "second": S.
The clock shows {"hour": 4, "minute": 17}
